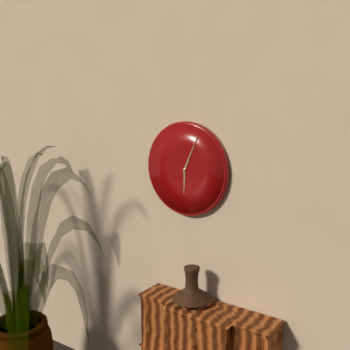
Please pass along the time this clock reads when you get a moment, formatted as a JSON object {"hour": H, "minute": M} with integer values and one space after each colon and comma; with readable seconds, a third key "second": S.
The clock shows {"hour": 6, "minute": 4}
